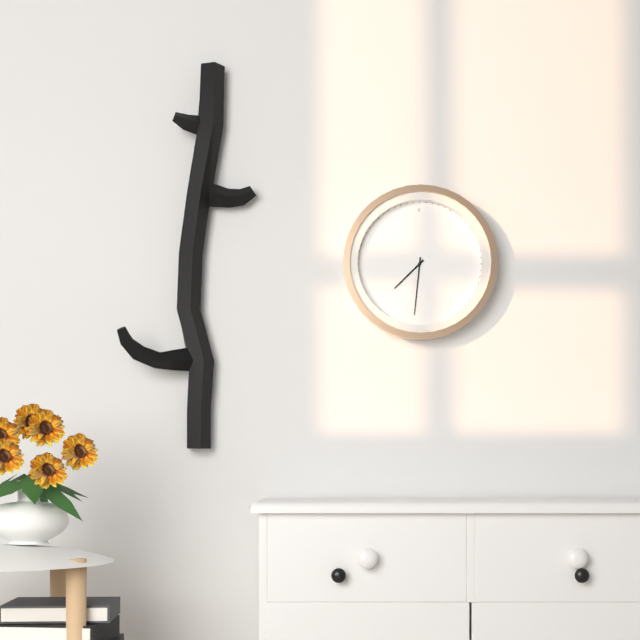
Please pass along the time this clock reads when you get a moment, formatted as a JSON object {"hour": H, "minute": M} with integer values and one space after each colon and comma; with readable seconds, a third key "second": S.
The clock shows {"hour": 7, "minute": 31}
